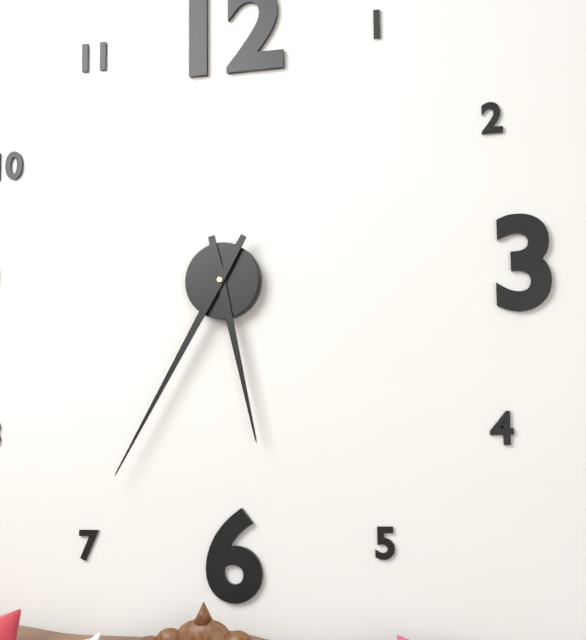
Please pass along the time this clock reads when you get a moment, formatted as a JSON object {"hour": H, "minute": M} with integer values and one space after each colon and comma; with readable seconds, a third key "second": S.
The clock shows {"hour": 5, "minute": 35}
